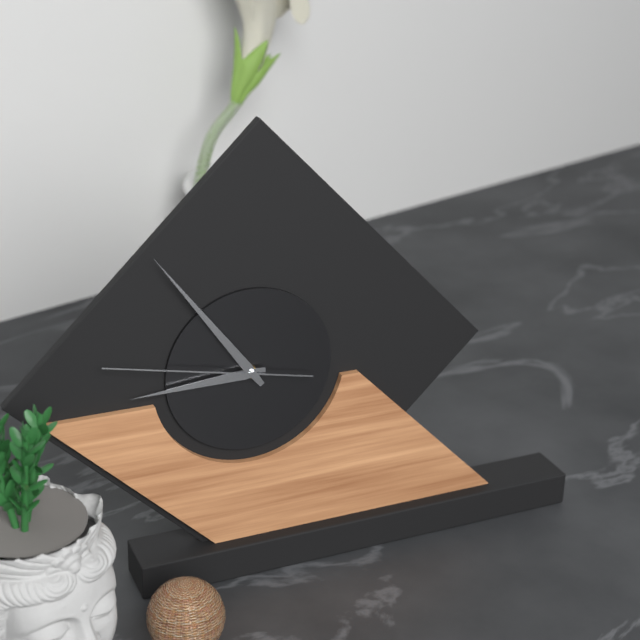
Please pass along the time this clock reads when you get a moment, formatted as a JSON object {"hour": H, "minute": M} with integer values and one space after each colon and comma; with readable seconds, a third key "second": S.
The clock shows {"hour": 8, "minute": 54, "second": 47}
